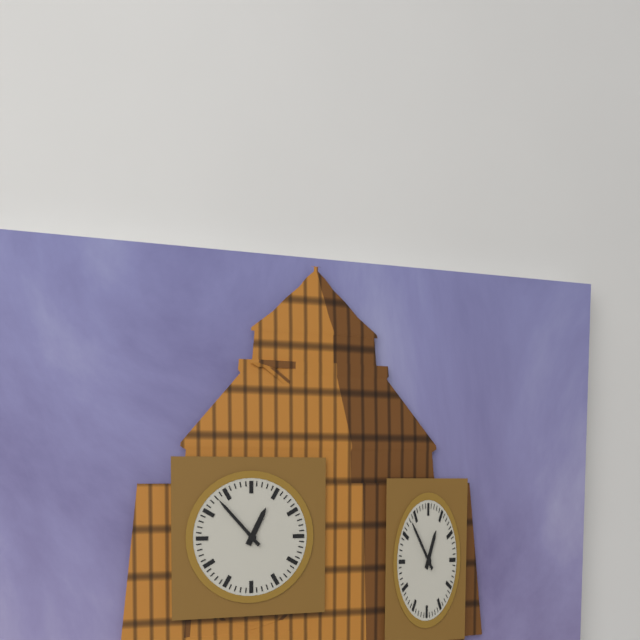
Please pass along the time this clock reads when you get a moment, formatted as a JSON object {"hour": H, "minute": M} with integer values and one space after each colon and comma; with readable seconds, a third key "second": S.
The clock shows {"hour": 12, "minute": 53}
